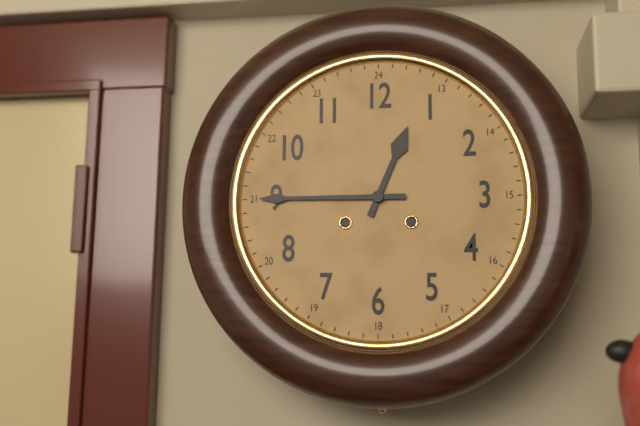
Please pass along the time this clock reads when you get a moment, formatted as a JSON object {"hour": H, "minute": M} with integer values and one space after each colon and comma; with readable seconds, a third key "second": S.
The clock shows {"hour": 12, "minute": 45}
